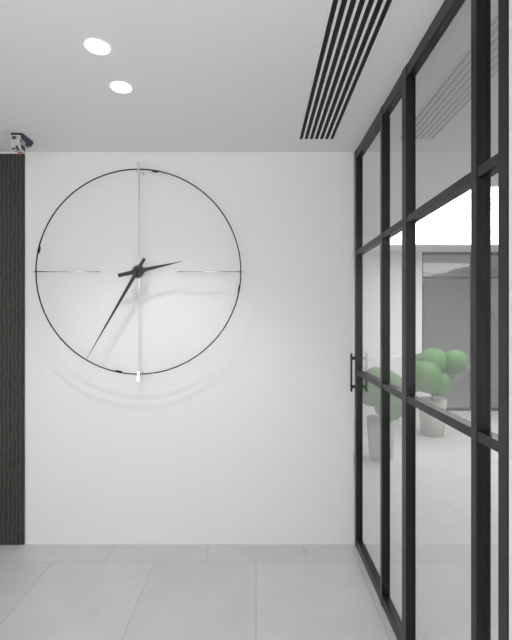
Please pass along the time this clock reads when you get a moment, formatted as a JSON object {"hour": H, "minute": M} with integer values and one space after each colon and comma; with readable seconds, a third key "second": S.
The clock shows {"hour": 2, "minute": 35}
